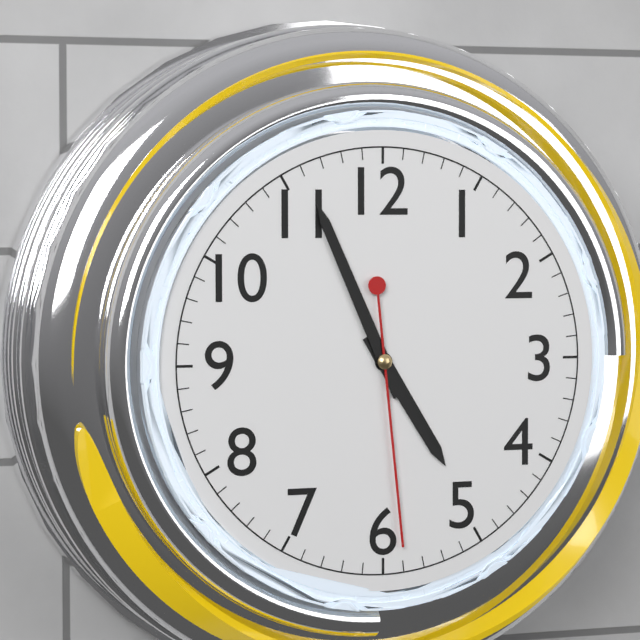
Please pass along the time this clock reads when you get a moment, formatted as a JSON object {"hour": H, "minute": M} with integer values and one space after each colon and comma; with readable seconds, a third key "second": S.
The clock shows {"hour": 4, "minute": 56, "second": 29}
